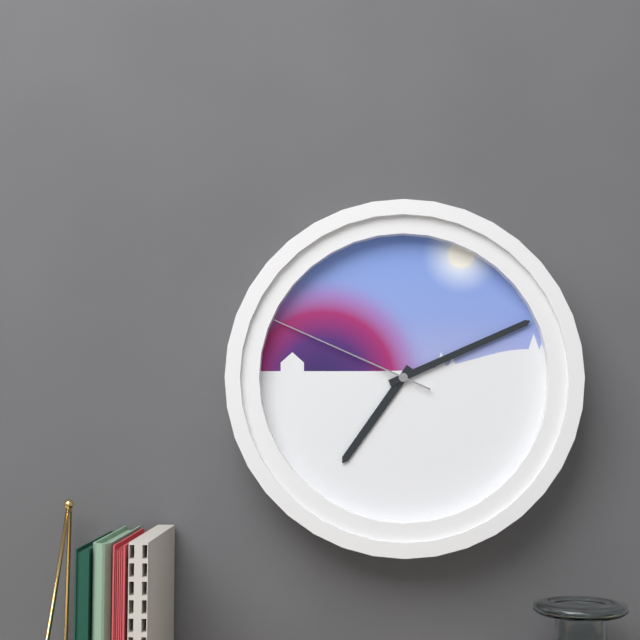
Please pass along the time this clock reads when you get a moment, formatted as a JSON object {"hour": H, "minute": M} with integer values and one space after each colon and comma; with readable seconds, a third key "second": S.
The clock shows {"hour": 7, "minute": 11, "second": 49}
